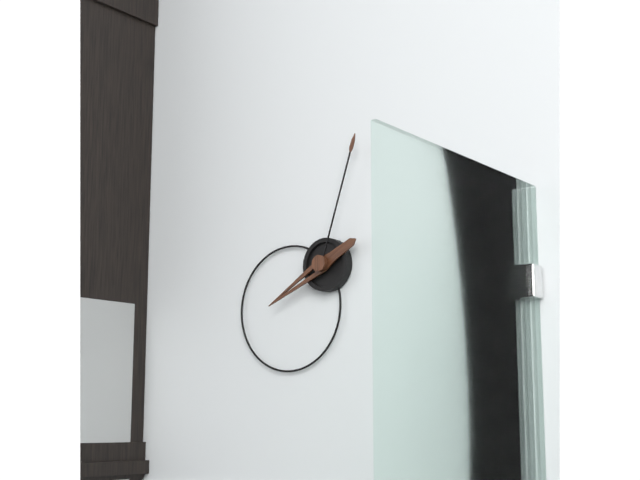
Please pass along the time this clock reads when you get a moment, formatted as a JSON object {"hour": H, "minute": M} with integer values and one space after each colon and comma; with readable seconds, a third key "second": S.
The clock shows {"hour": 8, "minute": 3}
